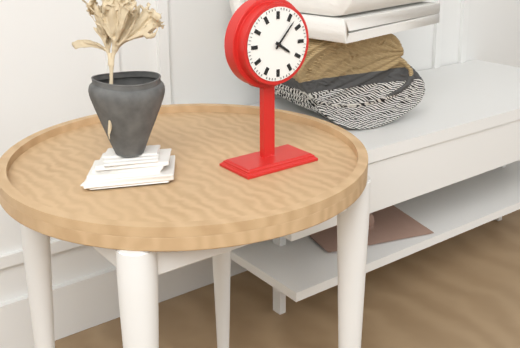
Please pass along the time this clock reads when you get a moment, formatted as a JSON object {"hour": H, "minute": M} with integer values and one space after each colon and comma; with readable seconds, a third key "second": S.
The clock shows {"hour": 4, "minute": 7}
